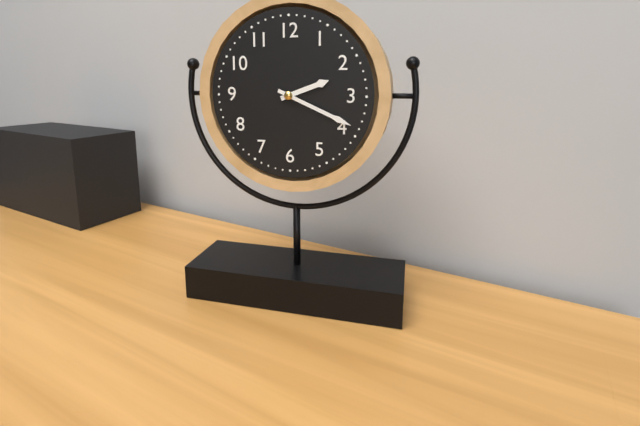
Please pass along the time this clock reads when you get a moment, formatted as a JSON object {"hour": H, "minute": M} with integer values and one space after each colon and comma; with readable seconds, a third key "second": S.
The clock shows {"hour": 2, "minute": 19}
